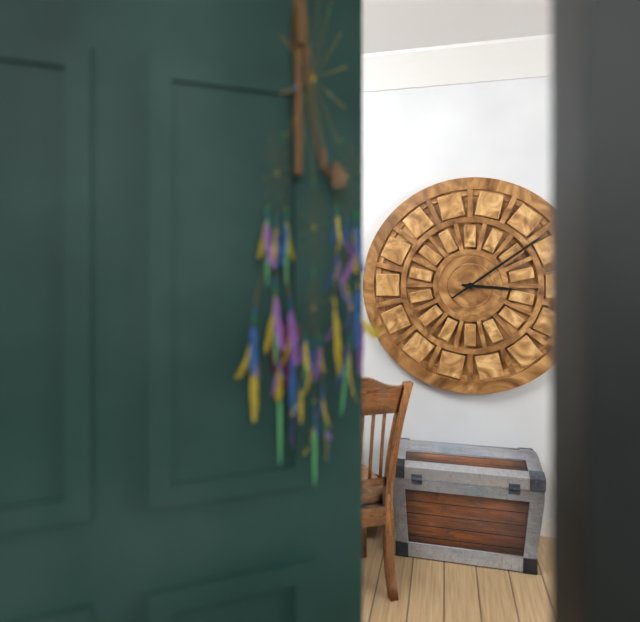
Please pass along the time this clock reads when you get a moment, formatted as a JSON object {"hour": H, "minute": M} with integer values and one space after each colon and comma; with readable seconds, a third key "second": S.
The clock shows {"hour": 3, "minute": 9}
